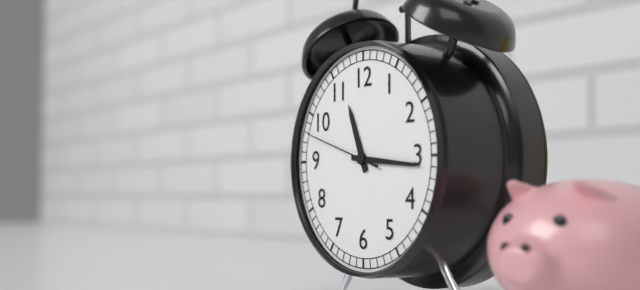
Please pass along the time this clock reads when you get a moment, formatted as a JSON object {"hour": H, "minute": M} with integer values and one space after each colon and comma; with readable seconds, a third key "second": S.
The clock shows {"hour": 11, "minute": 16, "second": 48}
